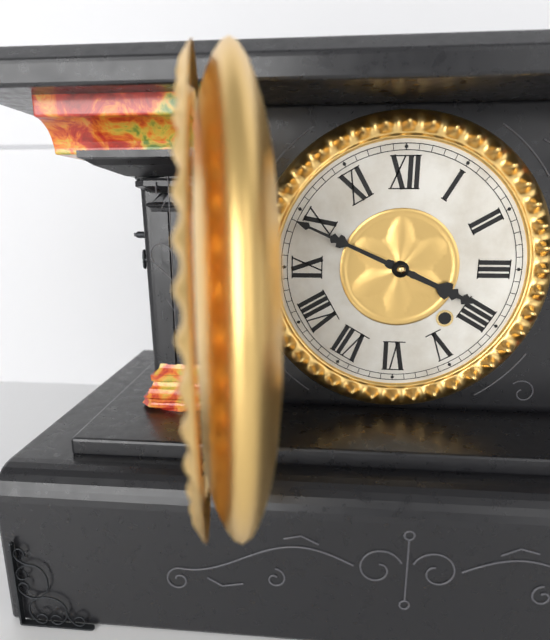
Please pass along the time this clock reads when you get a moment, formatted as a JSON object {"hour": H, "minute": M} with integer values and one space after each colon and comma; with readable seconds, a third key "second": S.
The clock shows {"hour": 3, "minute": 49}
